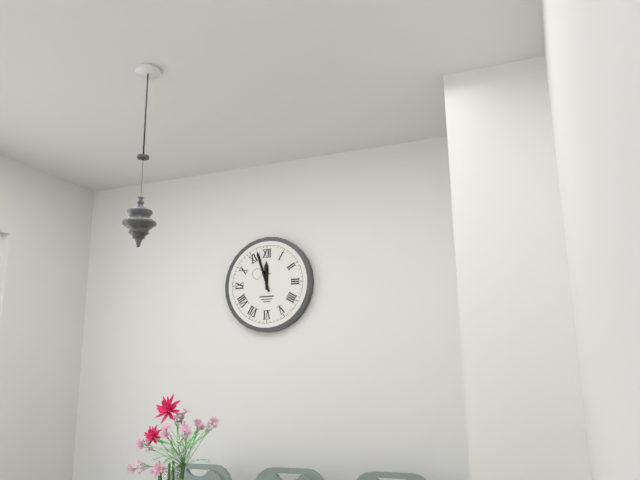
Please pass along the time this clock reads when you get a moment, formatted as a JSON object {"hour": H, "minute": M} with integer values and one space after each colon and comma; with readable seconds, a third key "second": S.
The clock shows {"hour": 11, "minute": 57}
